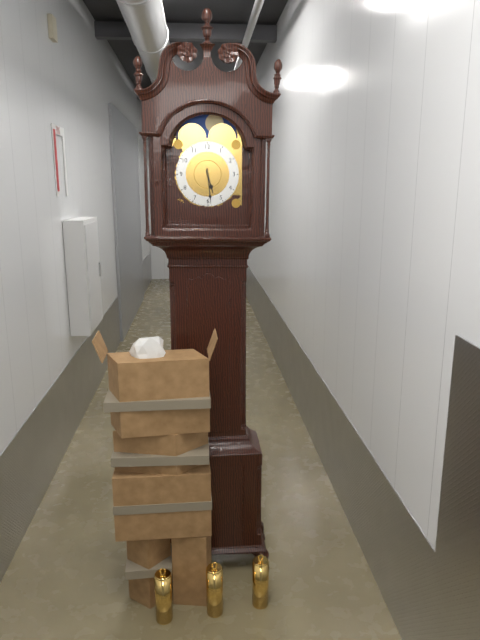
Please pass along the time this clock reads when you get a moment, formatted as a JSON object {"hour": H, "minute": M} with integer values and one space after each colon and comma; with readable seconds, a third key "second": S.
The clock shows {"hour": 5, "minute": 29}
